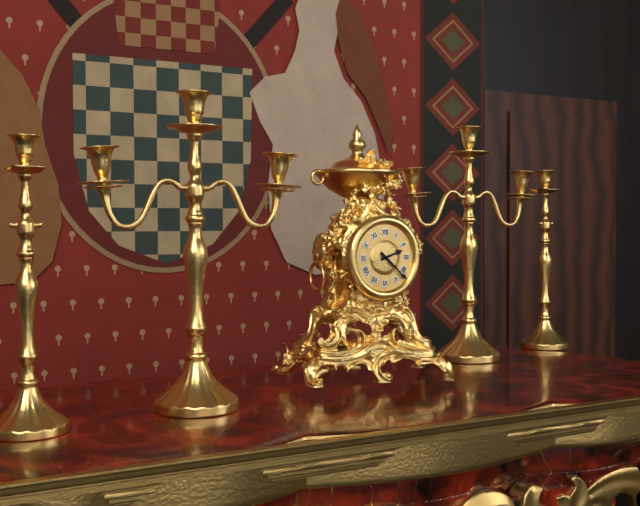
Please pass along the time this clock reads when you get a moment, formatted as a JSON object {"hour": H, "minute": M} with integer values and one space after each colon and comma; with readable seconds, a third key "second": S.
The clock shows {"hour": 2, "minute": 22}
